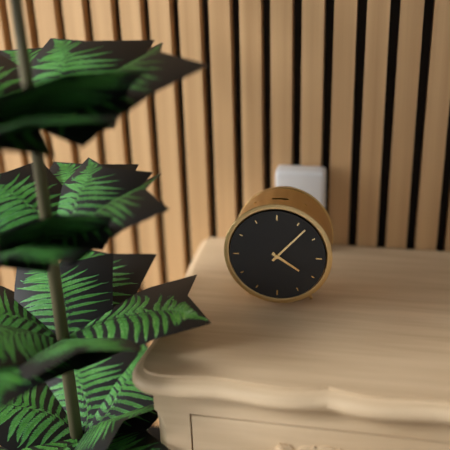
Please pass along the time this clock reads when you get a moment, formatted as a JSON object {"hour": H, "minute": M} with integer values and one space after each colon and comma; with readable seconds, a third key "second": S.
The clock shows {"hour": 4, "minute": 7}
